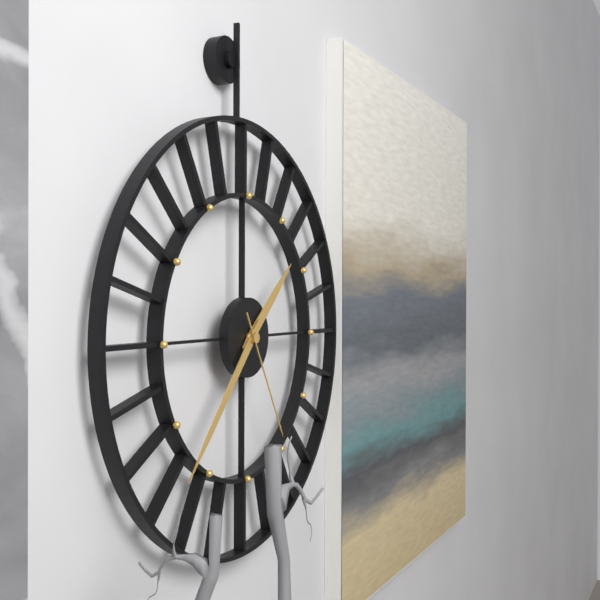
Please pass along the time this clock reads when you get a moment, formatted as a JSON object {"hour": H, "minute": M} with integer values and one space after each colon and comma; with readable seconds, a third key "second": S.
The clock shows {"hour": 1, "minute": 37, "second": 25}
